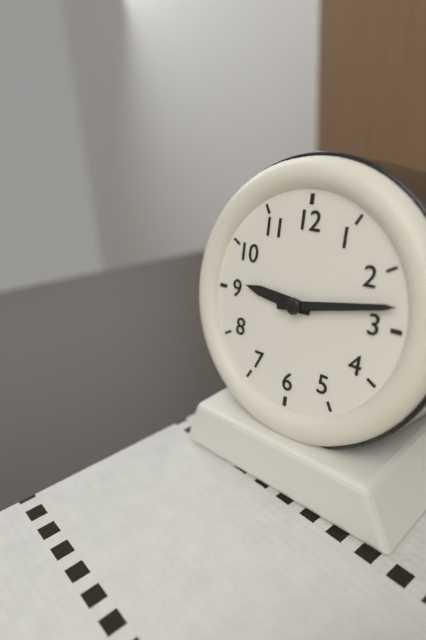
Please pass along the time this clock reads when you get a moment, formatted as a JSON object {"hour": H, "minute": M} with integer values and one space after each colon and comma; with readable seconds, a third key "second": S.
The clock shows {"hour": 9, "minute": 13}
